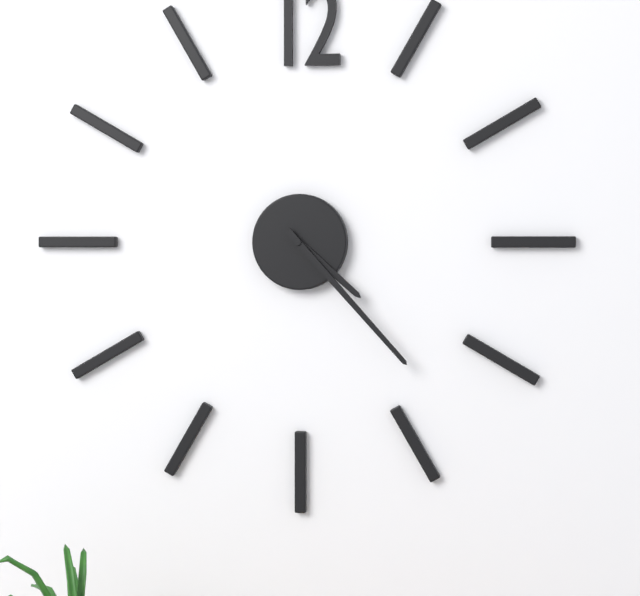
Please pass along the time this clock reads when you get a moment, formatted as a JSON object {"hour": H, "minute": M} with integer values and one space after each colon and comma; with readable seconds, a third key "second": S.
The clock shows {"hour": 4, "minute": 23}
